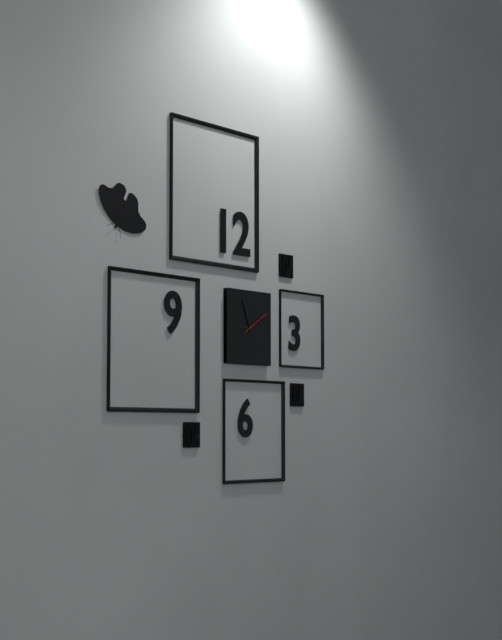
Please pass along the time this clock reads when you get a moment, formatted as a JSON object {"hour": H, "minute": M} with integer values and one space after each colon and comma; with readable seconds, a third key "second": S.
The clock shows {"hour": 8, "minute": 56}
